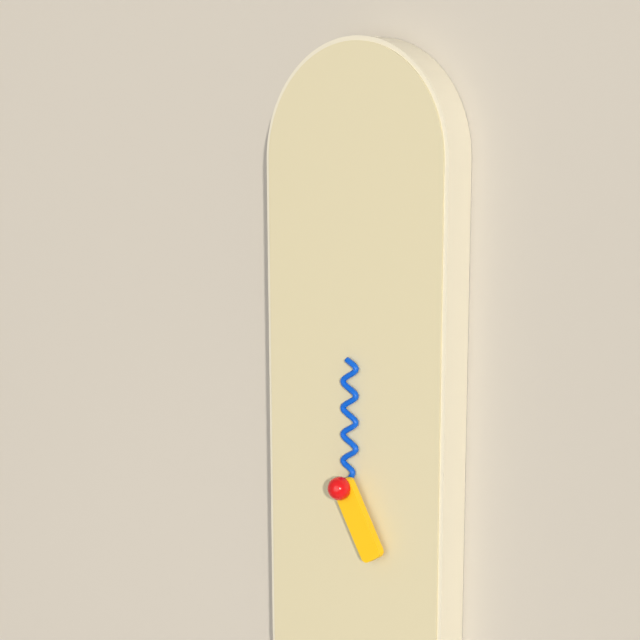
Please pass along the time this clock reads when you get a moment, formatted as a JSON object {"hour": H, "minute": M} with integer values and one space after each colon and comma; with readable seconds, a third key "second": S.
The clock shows {"hour": 5, "minute": 0}
